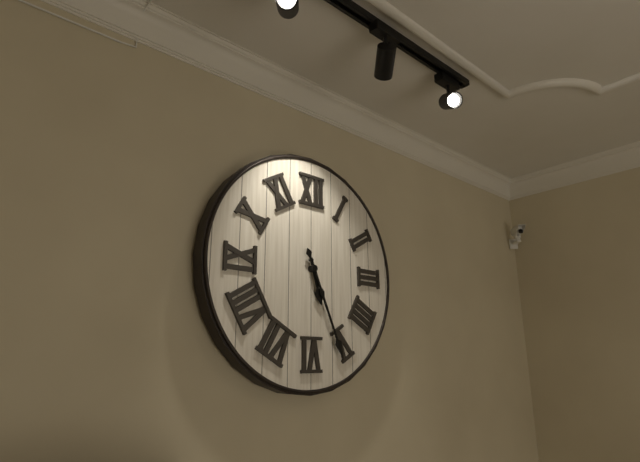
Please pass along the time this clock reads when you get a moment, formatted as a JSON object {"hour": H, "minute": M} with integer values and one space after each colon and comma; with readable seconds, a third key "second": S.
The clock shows {"hour": 5, "minute": 26}
